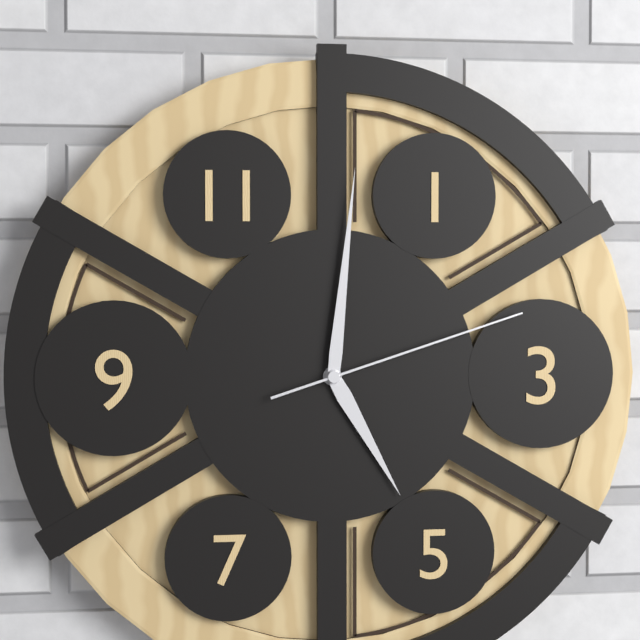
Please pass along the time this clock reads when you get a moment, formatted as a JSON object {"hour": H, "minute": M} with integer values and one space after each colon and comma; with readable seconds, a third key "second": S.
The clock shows {"hour": 5, "minute": 1, "second": 12}
